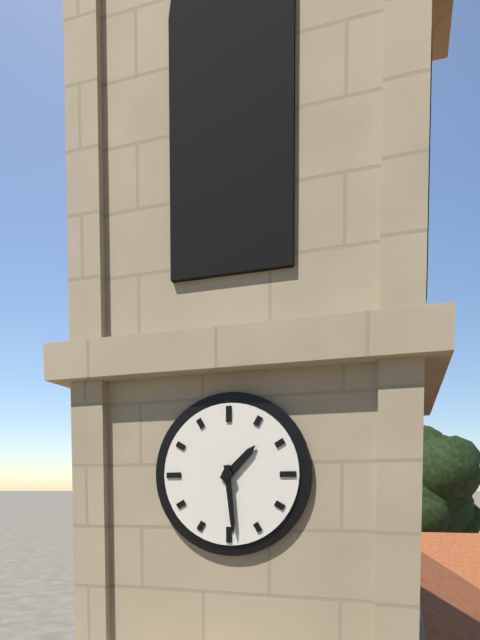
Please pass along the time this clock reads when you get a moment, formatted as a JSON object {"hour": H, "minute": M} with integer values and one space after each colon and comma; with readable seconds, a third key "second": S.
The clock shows {"hour": 1, "minute": 29}
